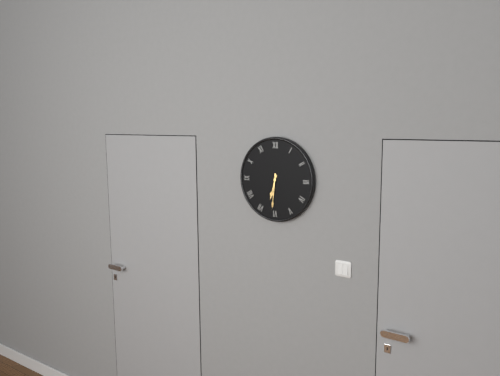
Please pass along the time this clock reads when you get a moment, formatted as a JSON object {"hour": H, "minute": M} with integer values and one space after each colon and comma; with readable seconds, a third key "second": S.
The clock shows {"hour": 6, "minute": 31}
